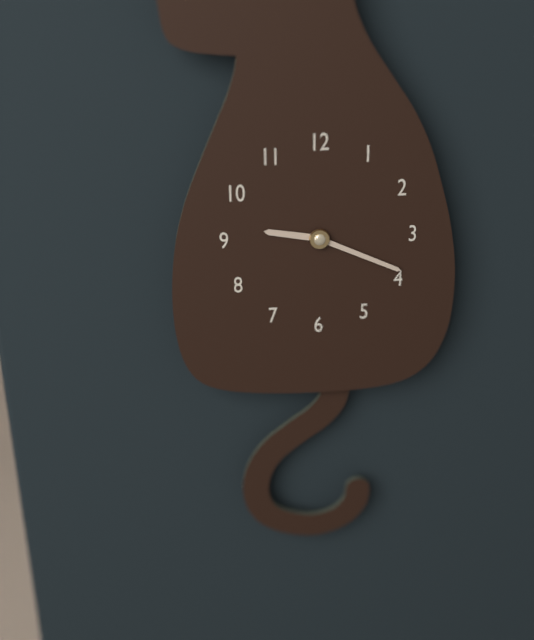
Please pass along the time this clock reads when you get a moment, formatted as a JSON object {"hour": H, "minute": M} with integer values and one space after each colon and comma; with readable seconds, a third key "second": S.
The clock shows {"hour": 9, "minute": 19}
